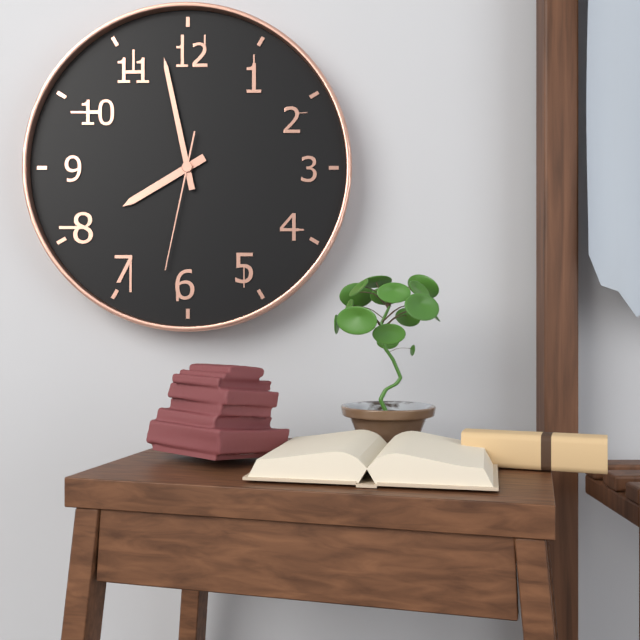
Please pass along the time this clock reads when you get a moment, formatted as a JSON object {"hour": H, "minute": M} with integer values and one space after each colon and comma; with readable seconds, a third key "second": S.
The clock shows {"hour": 7, "minute": 58, "second": 32}
